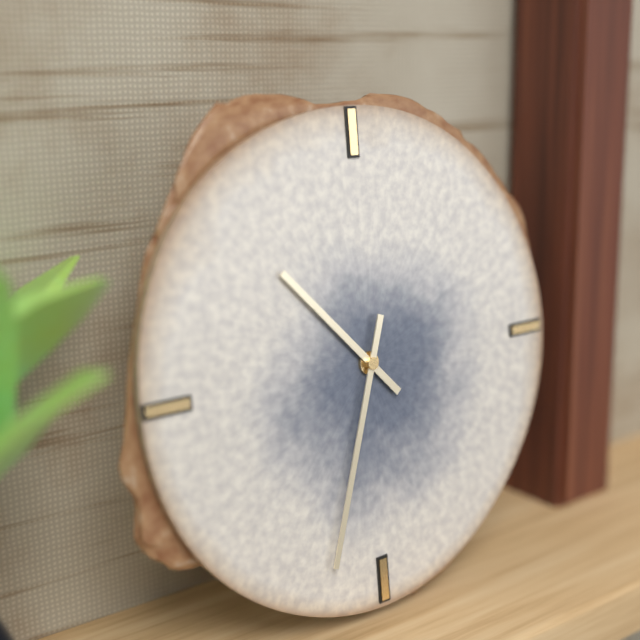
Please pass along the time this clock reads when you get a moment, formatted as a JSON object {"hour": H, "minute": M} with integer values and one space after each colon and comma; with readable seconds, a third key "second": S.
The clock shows {"hour": 10, "minute": 33}
